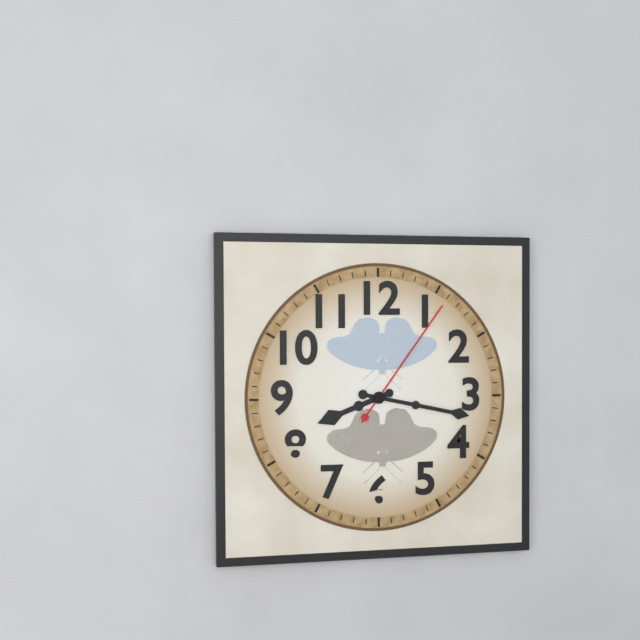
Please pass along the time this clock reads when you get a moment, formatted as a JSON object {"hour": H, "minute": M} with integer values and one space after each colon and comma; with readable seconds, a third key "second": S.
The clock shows {"hour": 8, "minute": 17, "second": 6}
